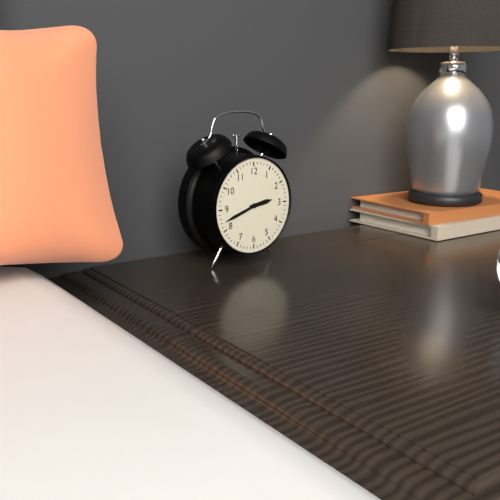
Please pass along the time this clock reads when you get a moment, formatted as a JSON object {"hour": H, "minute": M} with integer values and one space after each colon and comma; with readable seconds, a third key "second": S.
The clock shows {"hour": 2, "minute": 42}
